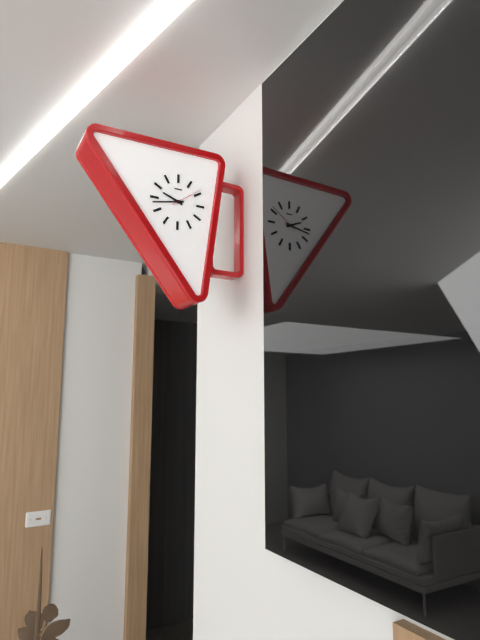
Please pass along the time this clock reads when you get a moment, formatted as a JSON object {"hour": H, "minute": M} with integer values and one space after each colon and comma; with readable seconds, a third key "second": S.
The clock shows {"hour": 9, "minute": 43}
